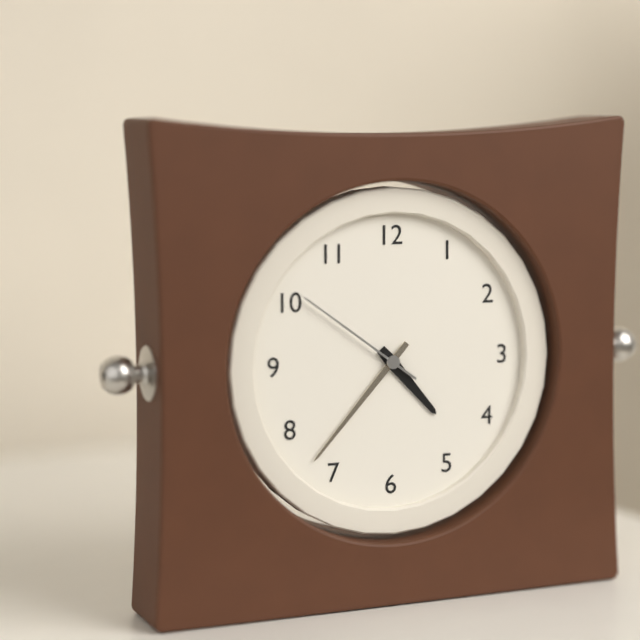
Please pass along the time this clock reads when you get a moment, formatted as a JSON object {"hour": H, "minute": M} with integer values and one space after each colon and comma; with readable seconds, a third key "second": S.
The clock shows {"hour": 4, "minute": 37, "second": 51}
